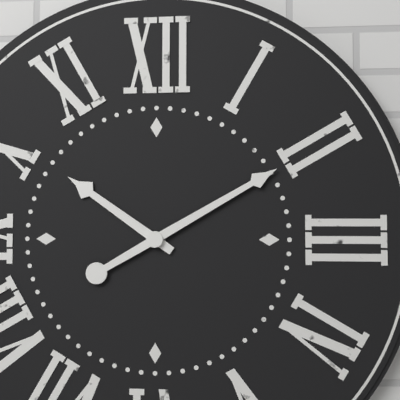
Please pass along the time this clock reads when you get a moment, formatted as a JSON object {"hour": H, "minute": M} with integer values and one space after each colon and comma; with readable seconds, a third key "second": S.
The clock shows {"hour": 10, "minute": 10}
